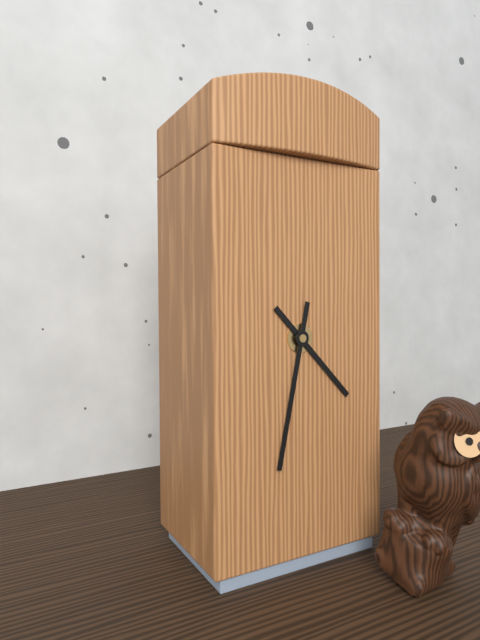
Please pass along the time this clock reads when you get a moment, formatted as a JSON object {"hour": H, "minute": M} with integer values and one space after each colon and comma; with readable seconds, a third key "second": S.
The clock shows {"hour": 4, "minute": 32}
